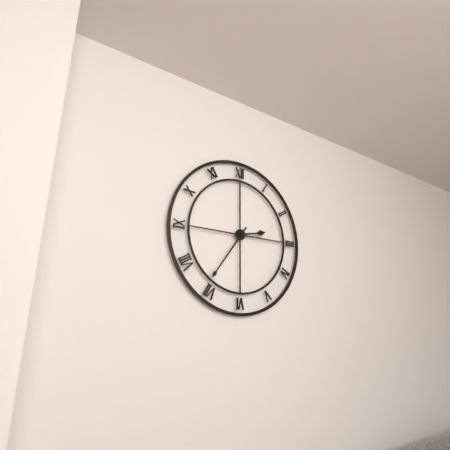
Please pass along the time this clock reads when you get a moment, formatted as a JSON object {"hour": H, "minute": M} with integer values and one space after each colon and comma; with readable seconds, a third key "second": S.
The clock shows {"hour": 2, "minute": 36}
